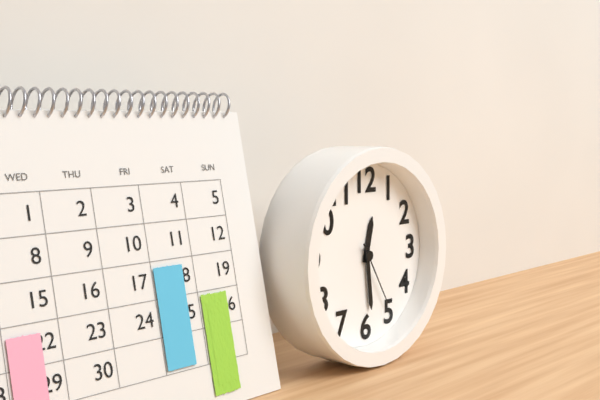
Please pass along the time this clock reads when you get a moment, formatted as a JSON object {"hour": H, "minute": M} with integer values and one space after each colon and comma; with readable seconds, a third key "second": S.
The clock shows {"hour": 12, "minute": 29, "second": 25}
